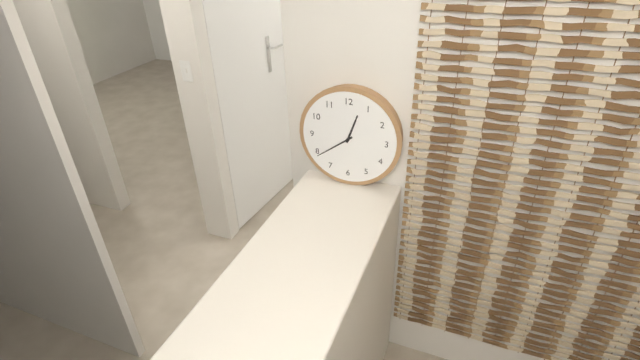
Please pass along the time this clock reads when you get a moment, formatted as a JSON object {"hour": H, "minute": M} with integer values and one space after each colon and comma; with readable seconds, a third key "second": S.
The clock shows {"hour": 12, "minute": 39}
